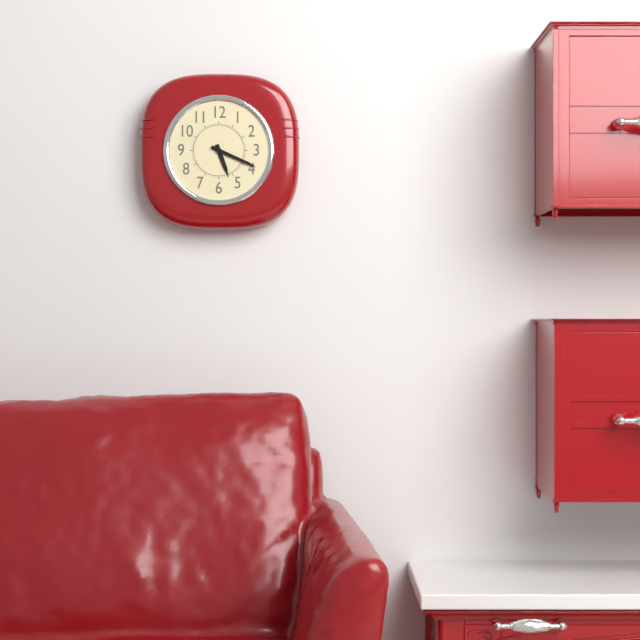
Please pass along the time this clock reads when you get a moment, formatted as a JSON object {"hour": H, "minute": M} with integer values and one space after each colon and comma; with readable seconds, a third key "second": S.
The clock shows {"hour": 5, "minute": 19}
